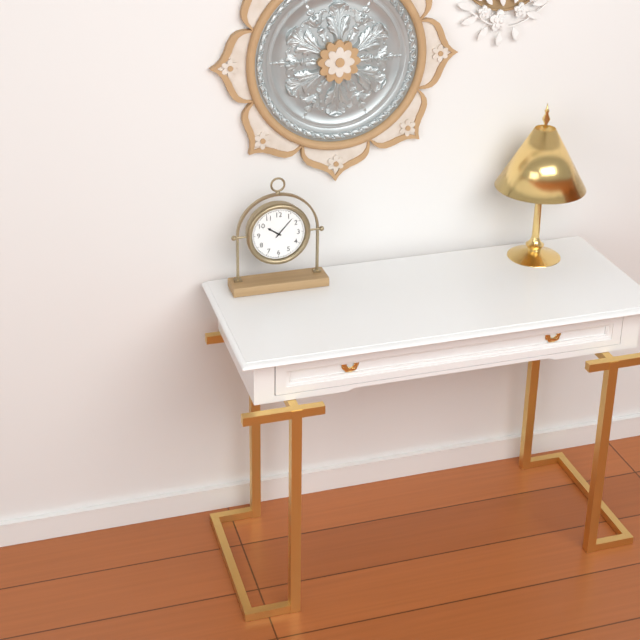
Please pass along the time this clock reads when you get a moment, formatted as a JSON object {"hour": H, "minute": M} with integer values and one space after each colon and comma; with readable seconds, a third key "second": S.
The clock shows {"hour": 10, "minute": 7}
